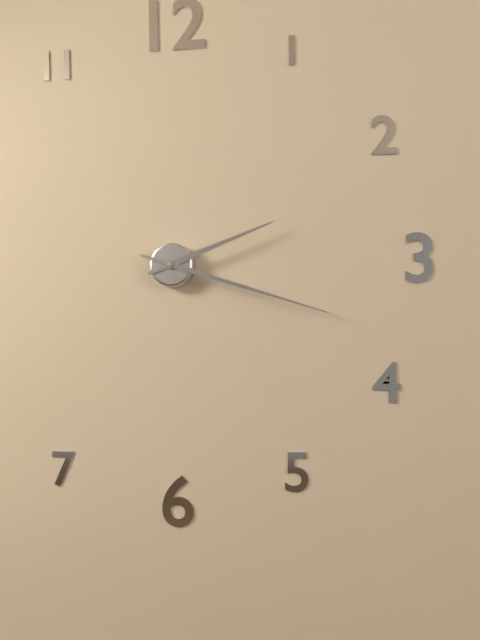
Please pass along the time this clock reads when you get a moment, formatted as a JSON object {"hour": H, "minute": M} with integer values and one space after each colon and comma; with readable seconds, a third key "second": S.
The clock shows {"hour": 2, "minute": 18}
